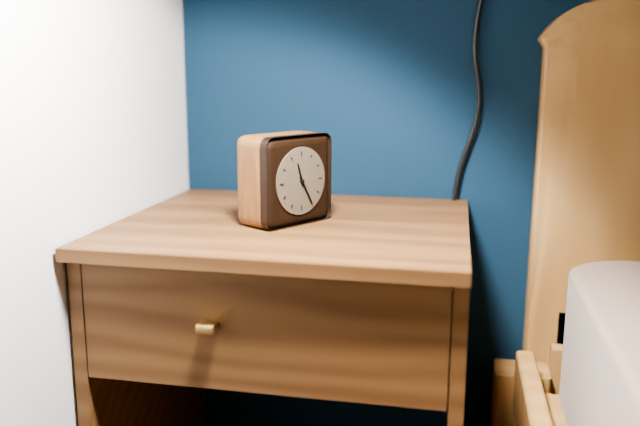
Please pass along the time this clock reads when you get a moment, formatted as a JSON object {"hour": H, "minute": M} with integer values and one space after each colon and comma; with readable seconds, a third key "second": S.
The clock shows {"hour": 11, "minute": 25}
